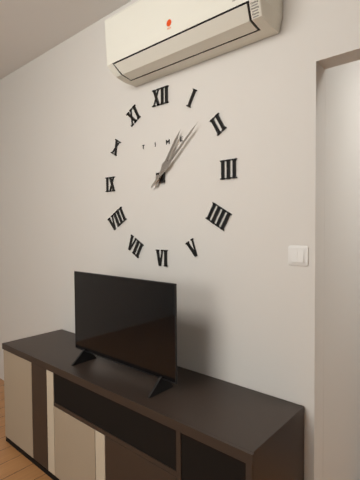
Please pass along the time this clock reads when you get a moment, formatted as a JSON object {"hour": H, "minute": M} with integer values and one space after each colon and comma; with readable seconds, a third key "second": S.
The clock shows {"hour": 1, "minute": 8}
